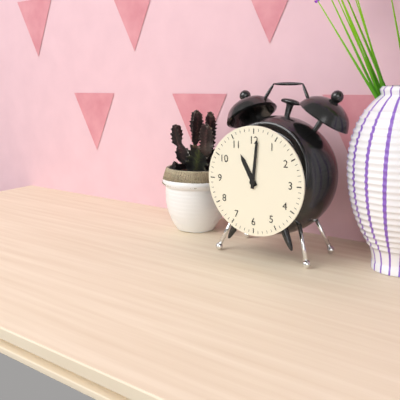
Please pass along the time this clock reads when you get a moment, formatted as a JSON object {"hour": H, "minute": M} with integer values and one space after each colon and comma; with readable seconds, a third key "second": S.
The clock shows {"hour": 11, "minute": 1}
